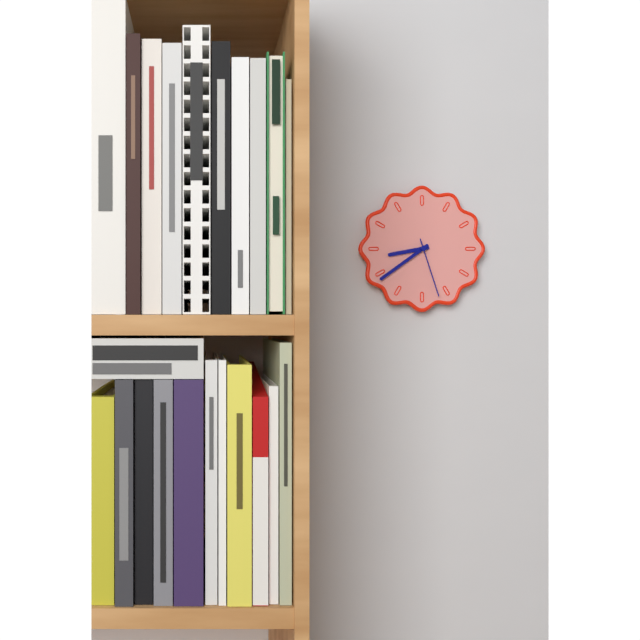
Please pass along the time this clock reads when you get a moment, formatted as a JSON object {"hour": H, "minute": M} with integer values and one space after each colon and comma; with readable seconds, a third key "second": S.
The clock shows {"hour": 8, "minute": 39, "second": 27}
